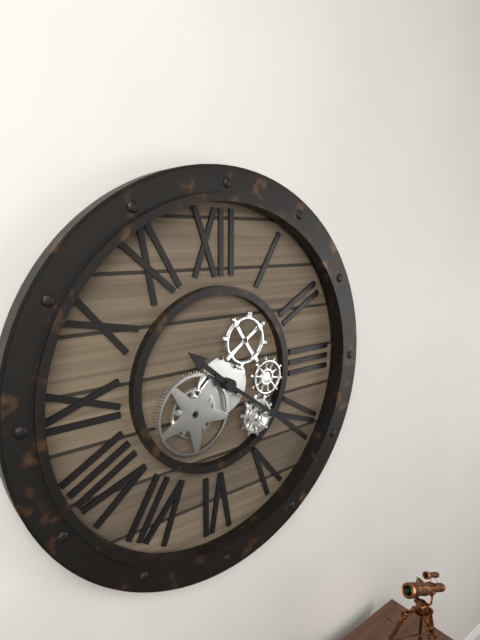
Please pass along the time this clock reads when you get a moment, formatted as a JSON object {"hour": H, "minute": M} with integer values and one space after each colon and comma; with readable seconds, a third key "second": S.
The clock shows {"hour": 10, "minute": 21}
